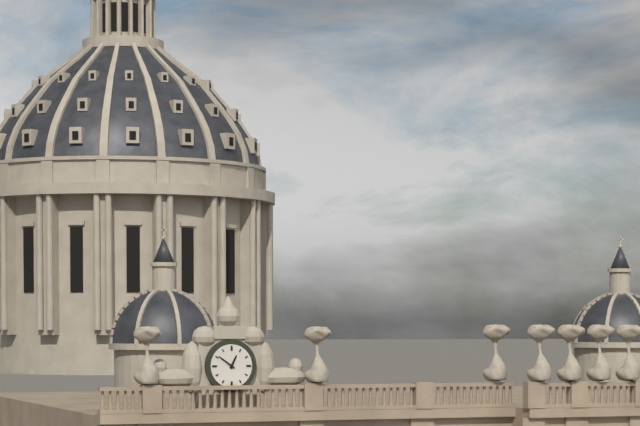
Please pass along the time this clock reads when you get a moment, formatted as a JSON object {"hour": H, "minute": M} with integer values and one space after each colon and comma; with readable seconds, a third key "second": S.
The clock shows {"hour": 12, "minute": 51}
